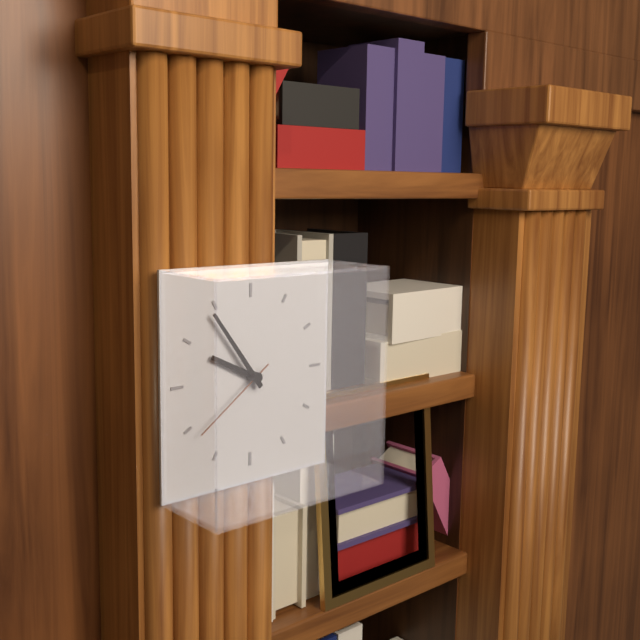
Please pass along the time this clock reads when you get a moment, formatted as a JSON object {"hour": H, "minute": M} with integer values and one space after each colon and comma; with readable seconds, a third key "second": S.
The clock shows {"hour": 9, "minute": 54, "second": 39}
